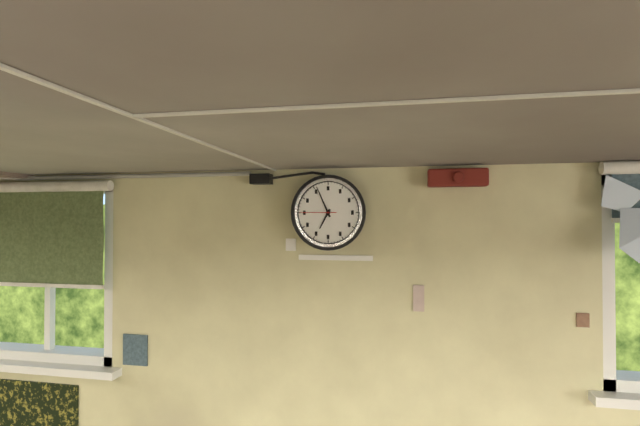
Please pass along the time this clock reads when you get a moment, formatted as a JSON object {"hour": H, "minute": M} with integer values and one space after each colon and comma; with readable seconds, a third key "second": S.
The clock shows {"hour": 6, "minute": 56}
